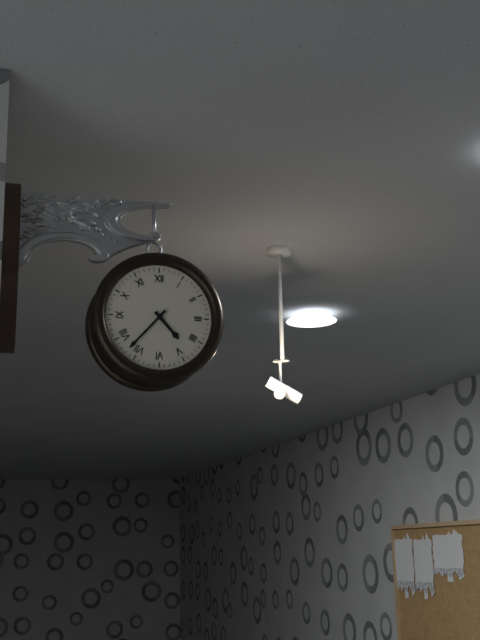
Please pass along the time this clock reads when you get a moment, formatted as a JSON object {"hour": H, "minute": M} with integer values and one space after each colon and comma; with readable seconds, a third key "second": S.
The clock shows {"hour": 4, "minute": 37}
